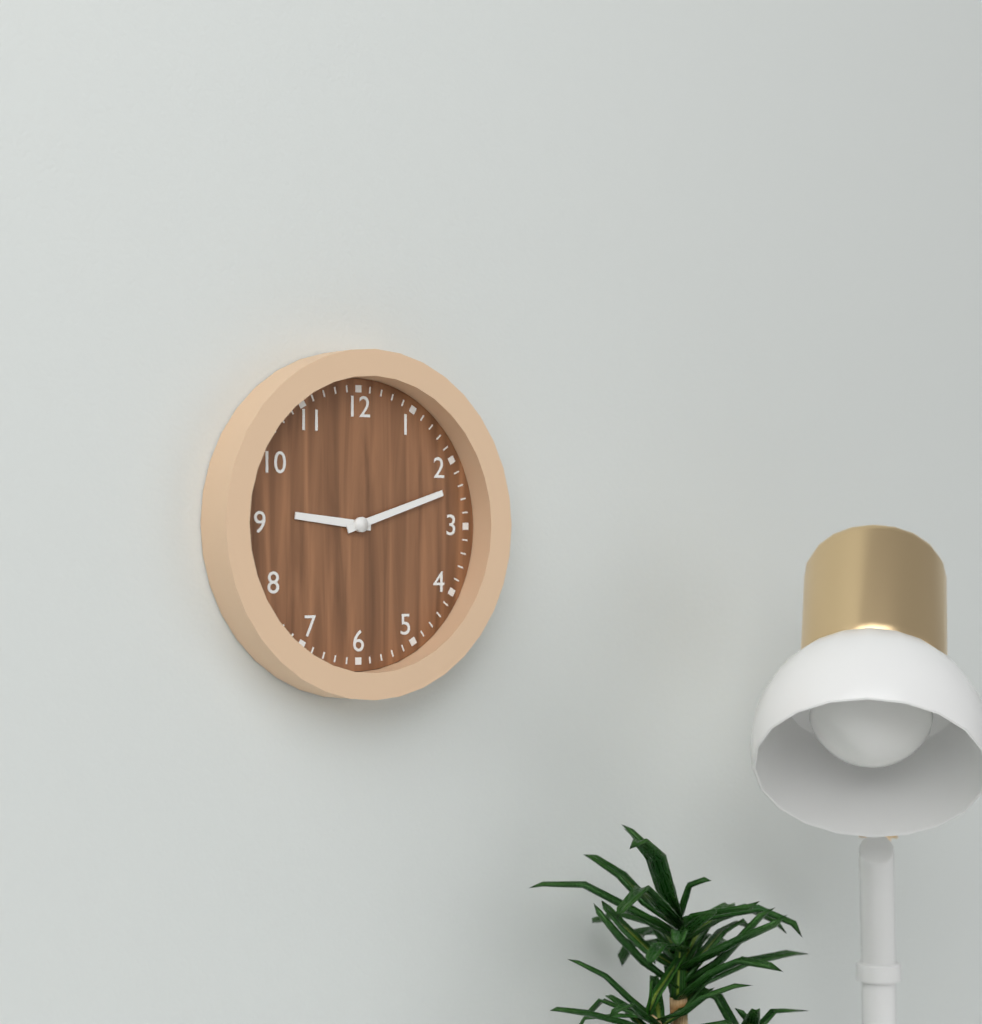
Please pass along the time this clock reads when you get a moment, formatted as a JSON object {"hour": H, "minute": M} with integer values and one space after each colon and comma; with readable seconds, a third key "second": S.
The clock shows {"hour": 9, "minute": 12}
